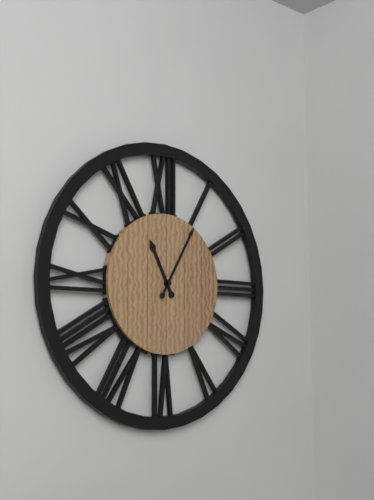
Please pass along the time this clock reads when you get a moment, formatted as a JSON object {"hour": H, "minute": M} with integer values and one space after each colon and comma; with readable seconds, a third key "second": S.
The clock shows {"hour": 11, "minute": 5}
